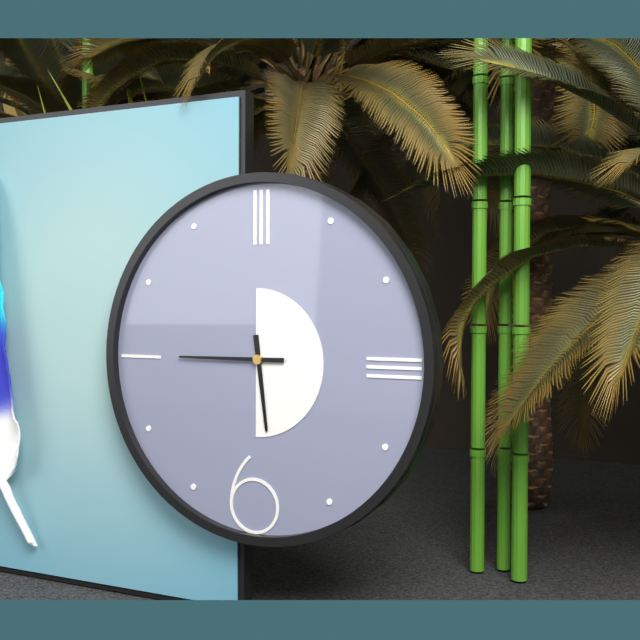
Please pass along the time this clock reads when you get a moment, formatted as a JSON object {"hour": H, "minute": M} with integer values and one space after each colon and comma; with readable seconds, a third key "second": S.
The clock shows {"hour": 5, "minute": 45}
